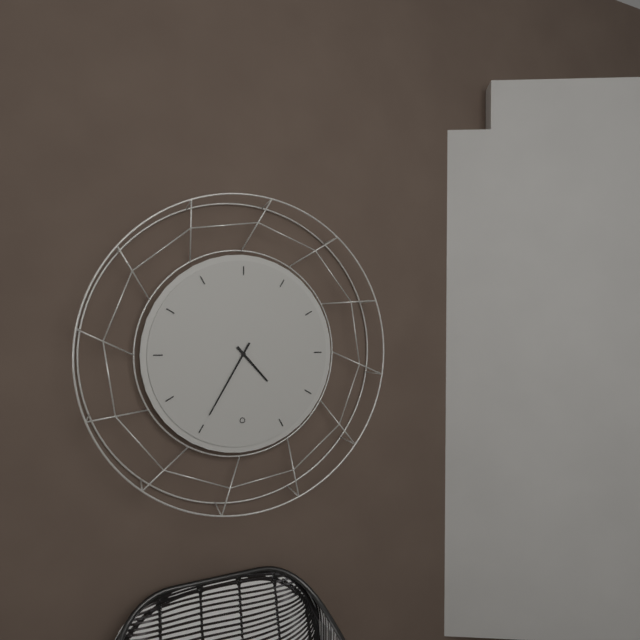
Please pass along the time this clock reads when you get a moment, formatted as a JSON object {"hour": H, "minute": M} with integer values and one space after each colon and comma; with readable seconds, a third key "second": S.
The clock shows {"hour": 4, "minute": 35}
